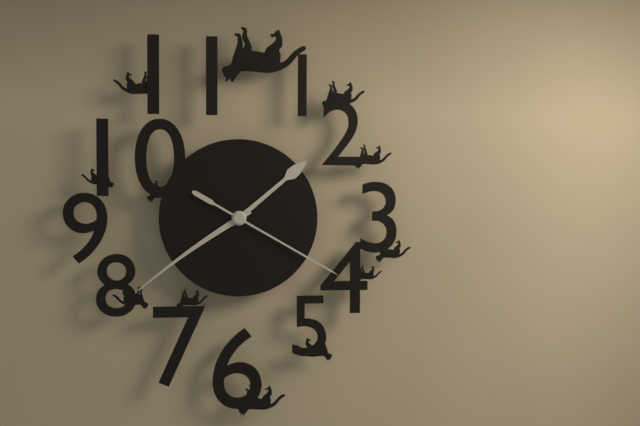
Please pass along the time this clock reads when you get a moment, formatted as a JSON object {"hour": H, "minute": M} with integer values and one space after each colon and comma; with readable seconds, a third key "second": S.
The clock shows {"hour": 1, "minute": 39, "second": 20}
